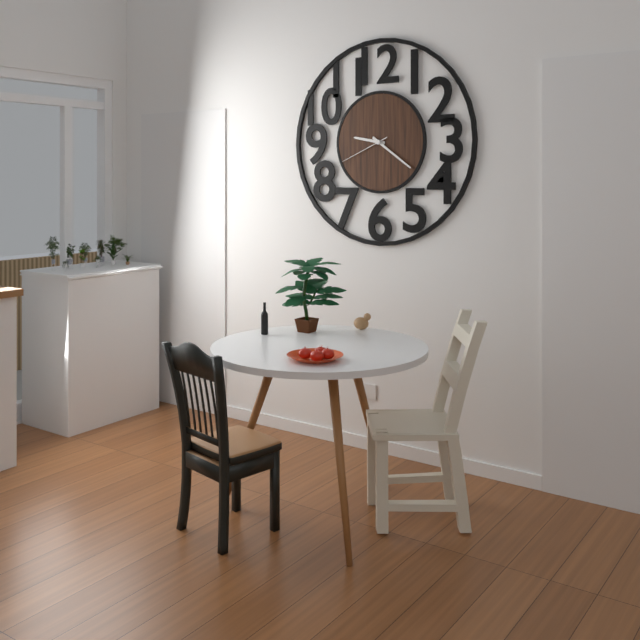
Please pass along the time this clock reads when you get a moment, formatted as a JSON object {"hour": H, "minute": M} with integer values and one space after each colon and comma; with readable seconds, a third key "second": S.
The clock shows {"hour": 9, "minute": 21, "second": 41}
